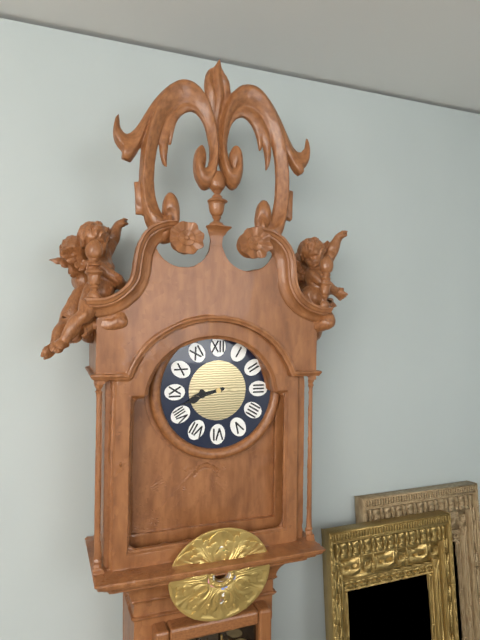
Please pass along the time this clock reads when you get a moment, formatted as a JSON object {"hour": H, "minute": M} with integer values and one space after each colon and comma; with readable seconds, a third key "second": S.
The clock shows {"hour": 8, "minute": 42}
